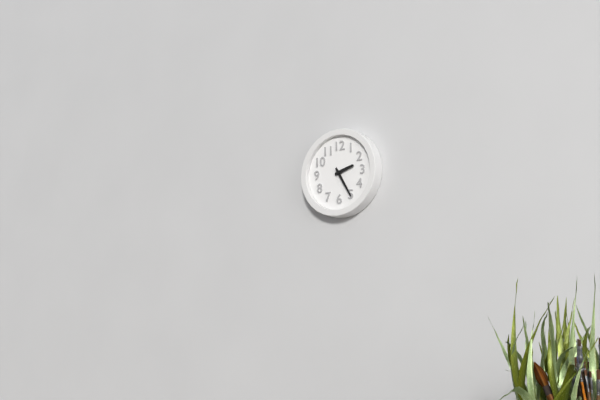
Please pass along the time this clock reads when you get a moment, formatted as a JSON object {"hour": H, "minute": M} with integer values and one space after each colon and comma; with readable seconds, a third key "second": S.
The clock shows {"hour": 2, "minute": 25}
